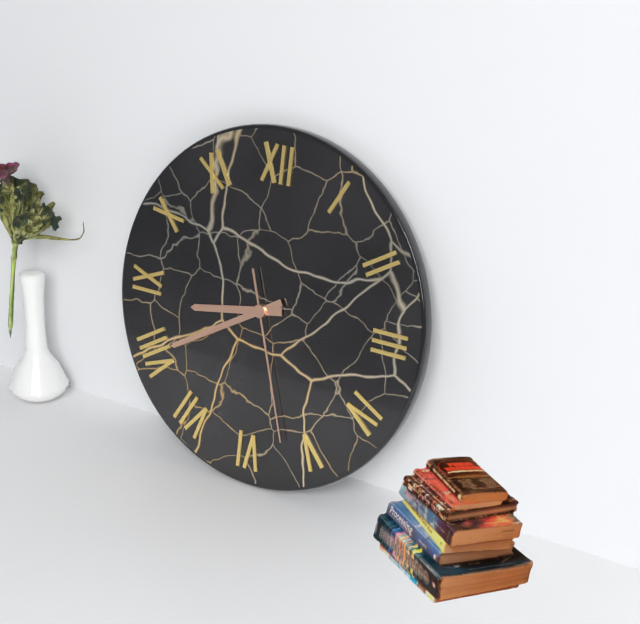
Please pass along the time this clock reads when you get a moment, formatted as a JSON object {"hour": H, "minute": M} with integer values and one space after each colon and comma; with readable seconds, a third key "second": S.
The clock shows {"hour": 8, "minute": 40, "second": 27}
